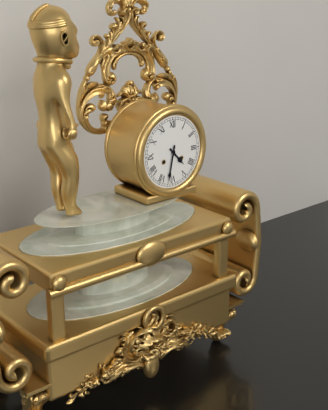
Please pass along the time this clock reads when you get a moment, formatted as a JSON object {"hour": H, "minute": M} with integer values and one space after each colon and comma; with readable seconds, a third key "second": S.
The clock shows {"hour": 4, "minute": 32}
